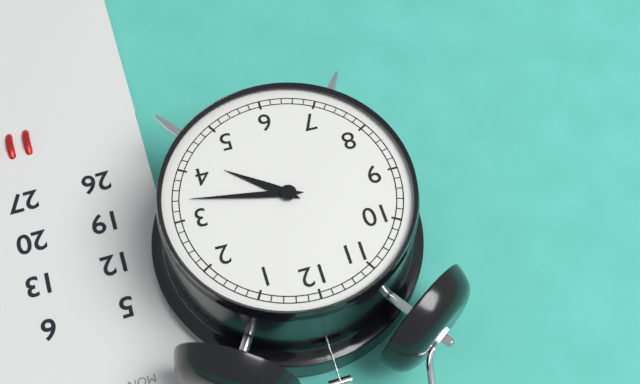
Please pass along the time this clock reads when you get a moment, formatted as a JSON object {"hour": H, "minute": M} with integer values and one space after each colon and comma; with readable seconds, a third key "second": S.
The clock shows {"hour": 4, "minute": 17}
